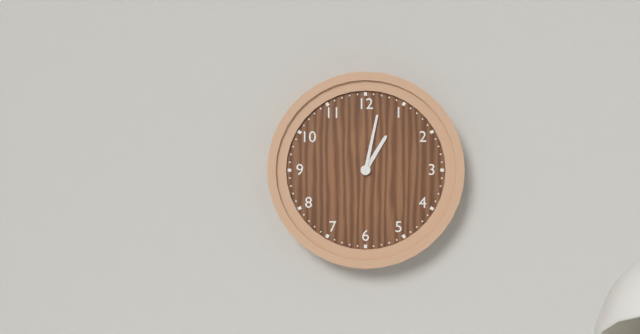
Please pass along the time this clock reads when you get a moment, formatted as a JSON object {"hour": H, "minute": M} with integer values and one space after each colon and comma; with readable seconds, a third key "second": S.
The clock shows {"hour": 1, "minute": 2}
